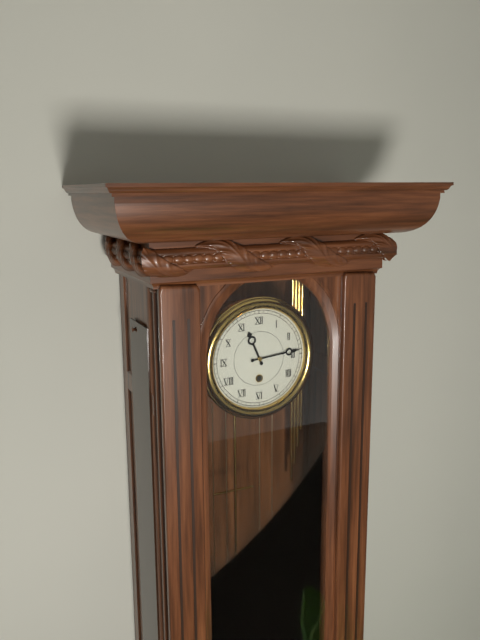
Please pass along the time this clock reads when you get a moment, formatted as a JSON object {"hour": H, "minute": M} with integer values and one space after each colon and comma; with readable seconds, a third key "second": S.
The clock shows {"hour": 11, "minute": 14}
